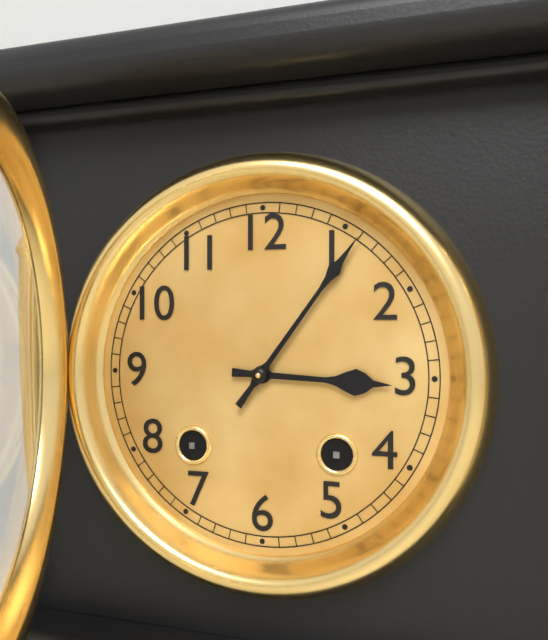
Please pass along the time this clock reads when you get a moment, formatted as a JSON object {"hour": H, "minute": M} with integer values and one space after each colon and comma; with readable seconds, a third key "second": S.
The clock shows {"hour": 3, "minute": 6}
